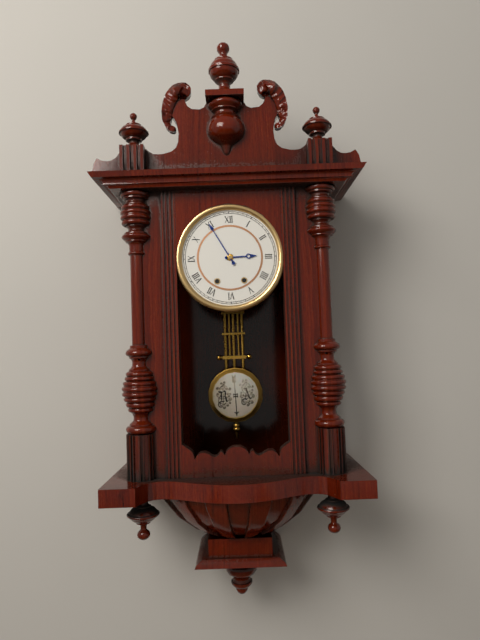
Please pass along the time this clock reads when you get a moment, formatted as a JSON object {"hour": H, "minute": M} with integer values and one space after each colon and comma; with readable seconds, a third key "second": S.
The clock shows {"hour": 2, "minute": 55}
